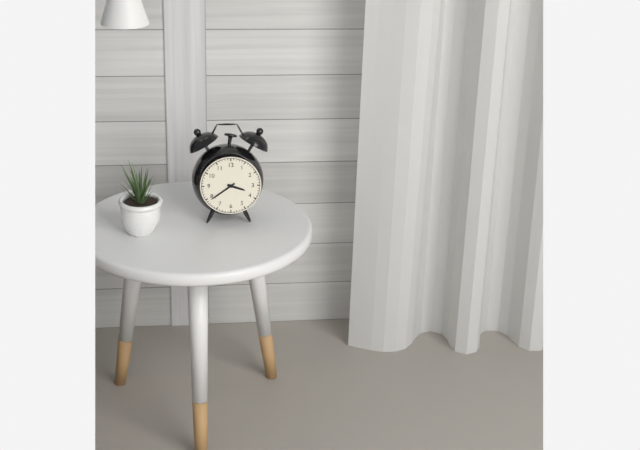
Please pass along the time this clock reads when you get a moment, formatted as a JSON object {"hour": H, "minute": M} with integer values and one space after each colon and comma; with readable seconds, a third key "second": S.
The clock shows {"hour": 3, "minute": 39}
